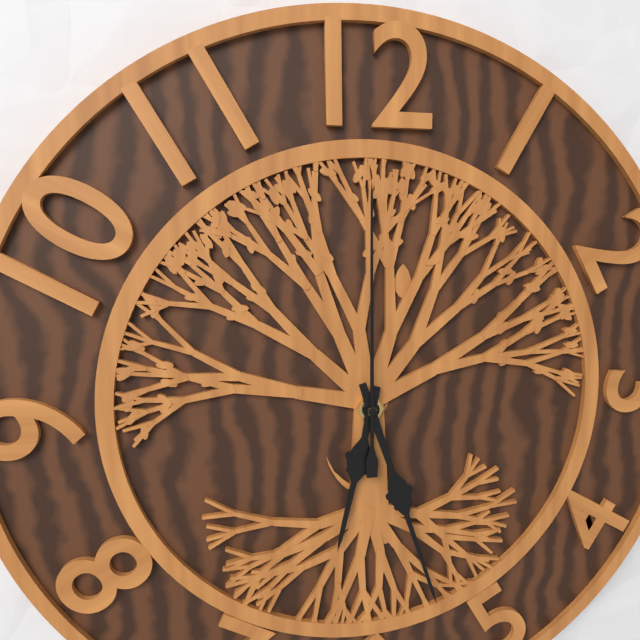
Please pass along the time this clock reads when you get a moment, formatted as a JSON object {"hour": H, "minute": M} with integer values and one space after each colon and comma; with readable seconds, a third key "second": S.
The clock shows {"hour": 6, "minute": 27, "second": 0}
